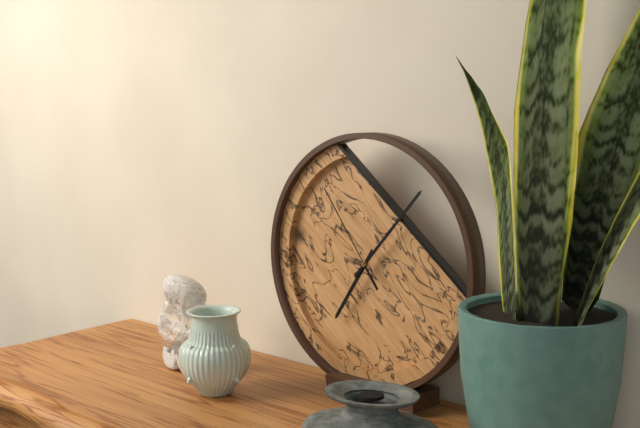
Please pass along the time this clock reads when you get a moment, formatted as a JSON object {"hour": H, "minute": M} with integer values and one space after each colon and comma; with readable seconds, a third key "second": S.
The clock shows {"hour": 7, "minute": 7, "second": 54}
